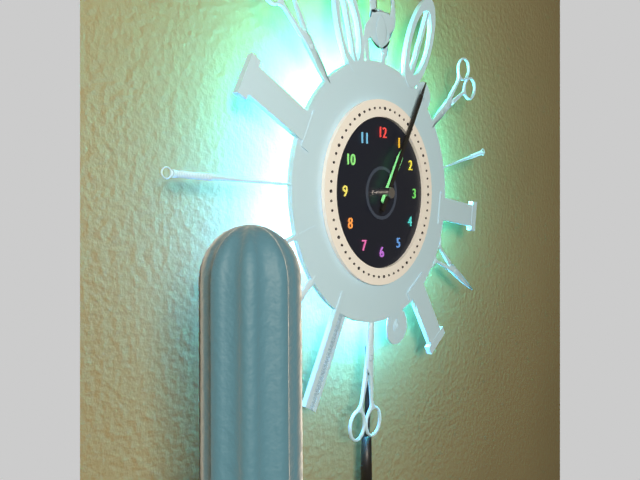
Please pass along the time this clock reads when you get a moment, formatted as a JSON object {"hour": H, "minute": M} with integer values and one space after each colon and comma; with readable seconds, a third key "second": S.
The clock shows {"hour": 1, "minute": 5}
